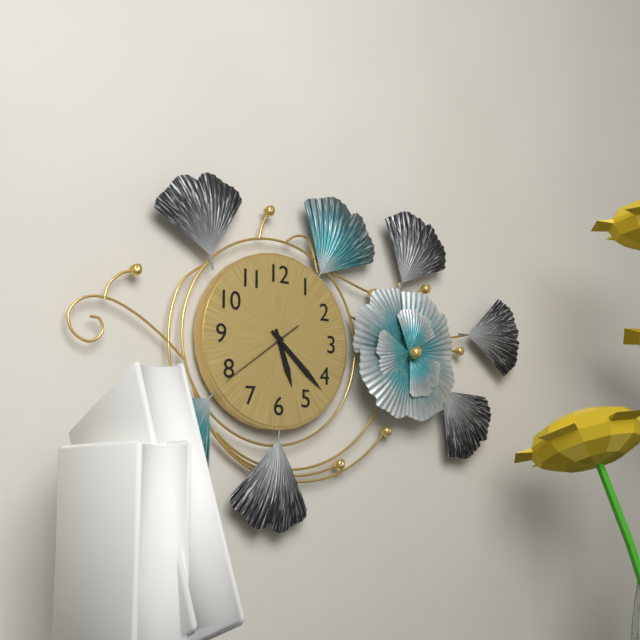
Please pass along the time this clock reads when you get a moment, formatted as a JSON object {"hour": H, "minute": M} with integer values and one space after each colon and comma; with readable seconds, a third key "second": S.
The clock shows {"hour": 5, "minute": 22, "second": 39}
